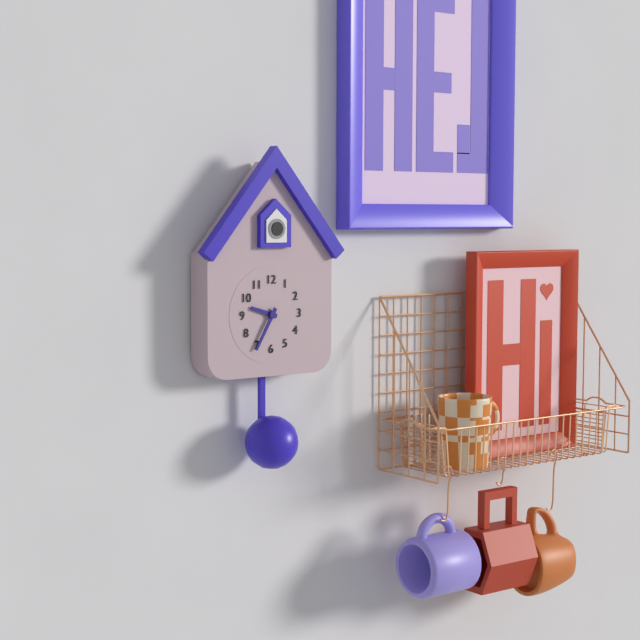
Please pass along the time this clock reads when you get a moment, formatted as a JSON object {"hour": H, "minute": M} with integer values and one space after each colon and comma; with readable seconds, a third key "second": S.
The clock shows {"hour": 9, "minute": 35}
